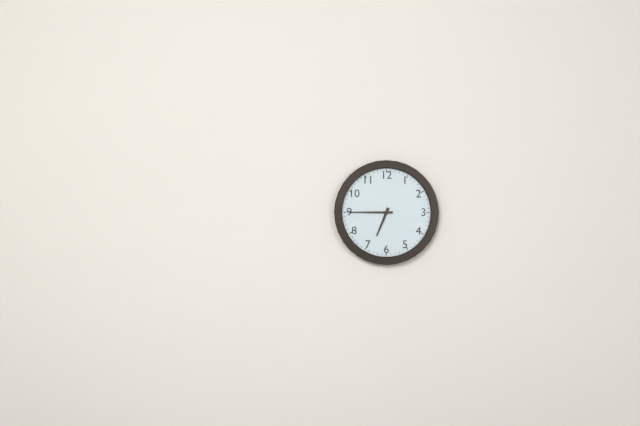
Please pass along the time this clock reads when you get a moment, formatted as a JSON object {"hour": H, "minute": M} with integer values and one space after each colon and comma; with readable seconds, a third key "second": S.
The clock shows {"hour": 6, "minute": 45}
